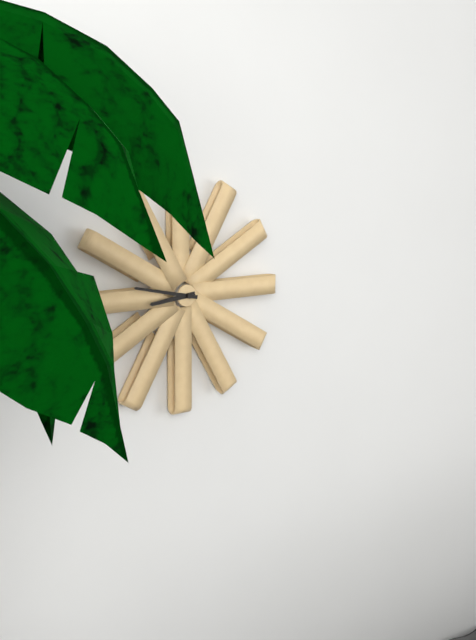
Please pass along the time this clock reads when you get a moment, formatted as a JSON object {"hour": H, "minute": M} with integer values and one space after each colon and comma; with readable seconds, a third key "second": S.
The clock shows {"hour": 8, "minute": 47}
